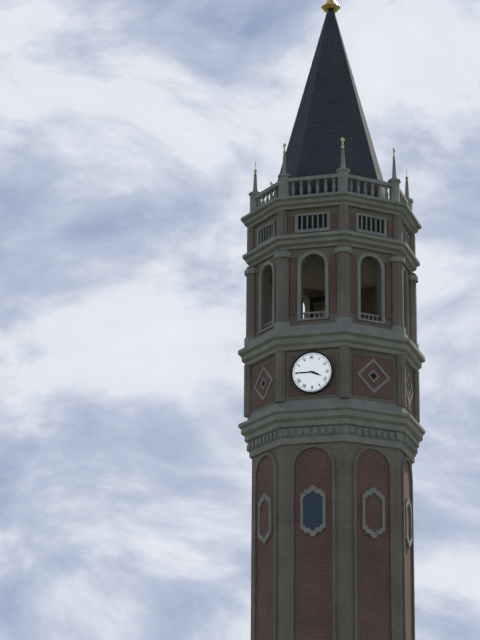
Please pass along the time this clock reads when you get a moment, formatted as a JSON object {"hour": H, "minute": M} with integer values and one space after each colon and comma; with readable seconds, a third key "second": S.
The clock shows {"hour": 3, "minute": 45}
